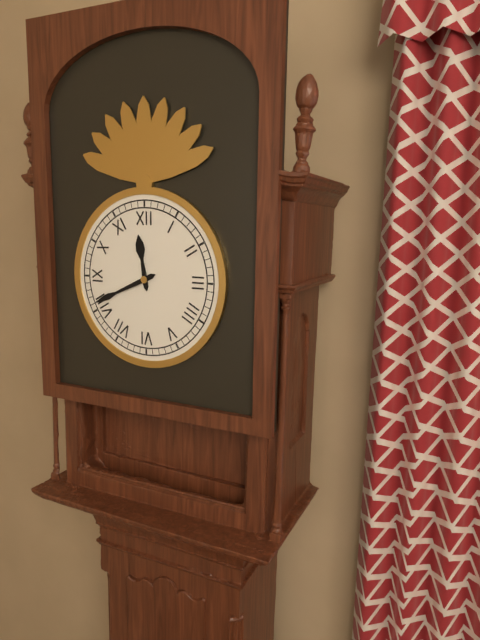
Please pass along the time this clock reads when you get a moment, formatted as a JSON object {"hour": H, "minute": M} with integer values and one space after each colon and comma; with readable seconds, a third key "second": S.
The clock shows {"hour": 11, "minute": 41}
